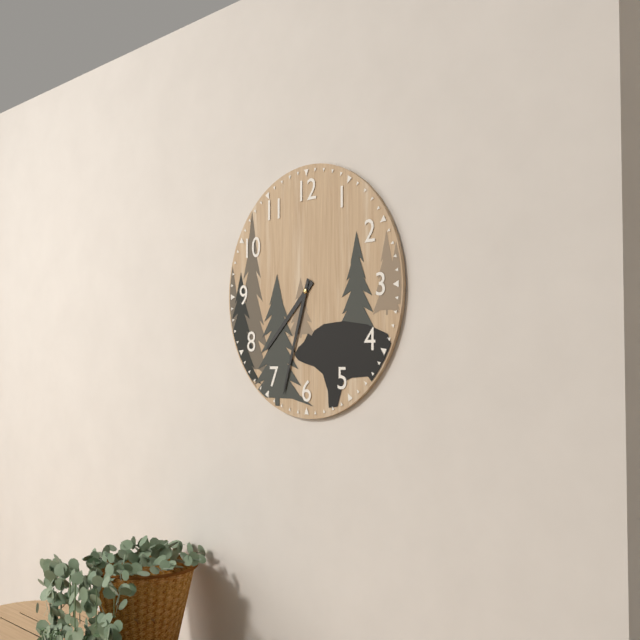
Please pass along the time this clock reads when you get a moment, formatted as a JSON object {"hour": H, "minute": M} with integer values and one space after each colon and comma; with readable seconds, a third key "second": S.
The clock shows {"hour": 7, "minute": 33}
